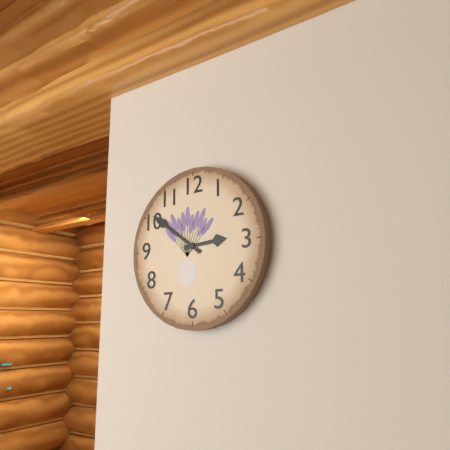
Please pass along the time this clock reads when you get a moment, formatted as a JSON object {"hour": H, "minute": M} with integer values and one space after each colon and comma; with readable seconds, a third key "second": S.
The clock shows {"hour": 2, "minute": 51}
